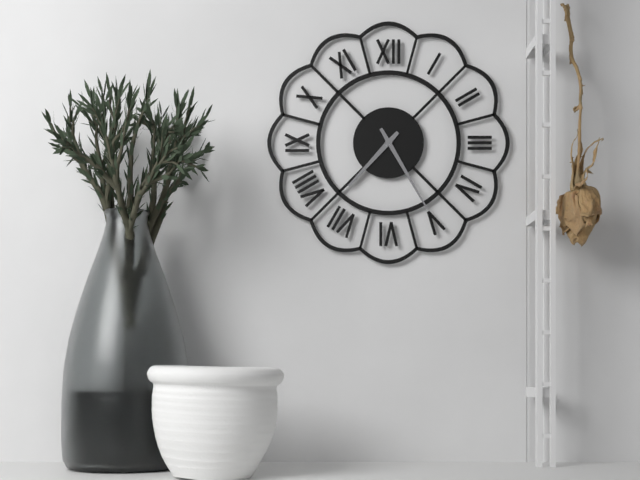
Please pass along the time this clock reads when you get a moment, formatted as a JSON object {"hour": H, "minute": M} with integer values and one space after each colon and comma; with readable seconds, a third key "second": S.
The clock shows {"hour": 7, "minute": 25}
